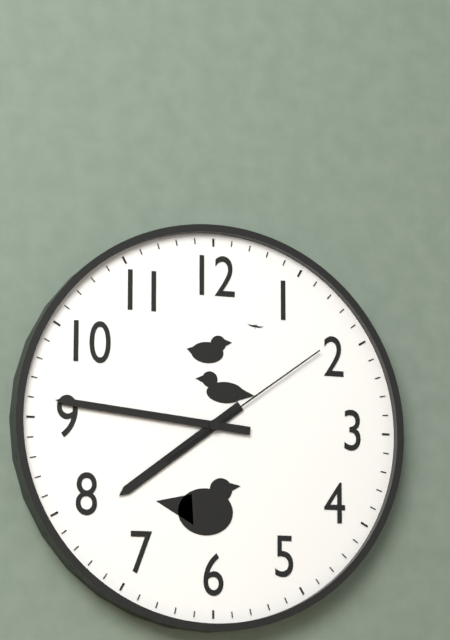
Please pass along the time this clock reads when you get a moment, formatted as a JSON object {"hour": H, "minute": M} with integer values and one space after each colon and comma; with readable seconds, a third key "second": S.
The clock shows {"hour": 7, "minute": 46, "second": 9}
